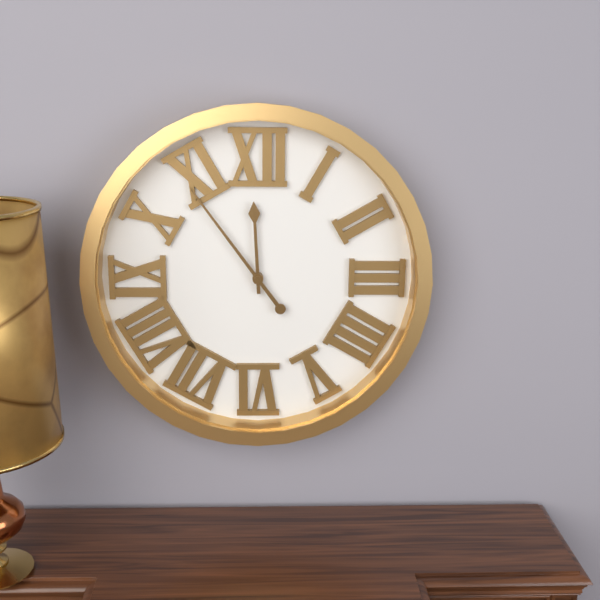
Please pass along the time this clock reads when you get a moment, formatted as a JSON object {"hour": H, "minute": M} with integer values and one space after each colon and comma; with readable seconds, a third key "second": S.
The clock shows {"hour": 11, "minute": 54}
